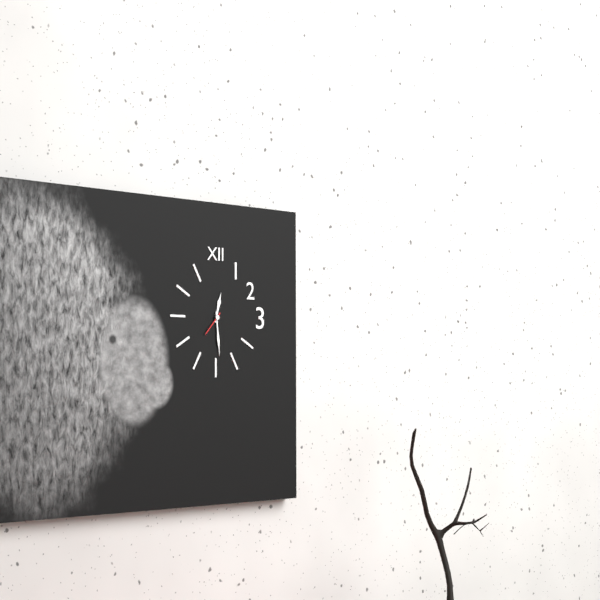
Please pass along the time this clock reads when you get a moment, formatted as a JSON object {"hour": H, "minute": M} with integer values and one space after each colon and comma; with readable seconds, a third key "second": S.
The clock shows {"hour": 12, "minute": 29}
